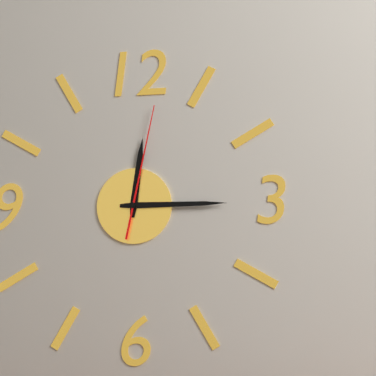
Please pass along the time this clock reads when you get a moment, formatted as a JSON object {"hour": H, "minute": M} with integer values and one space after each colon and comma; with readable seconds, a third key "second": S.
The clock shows {"hour": 12, "minute": 15, "second": 2}
